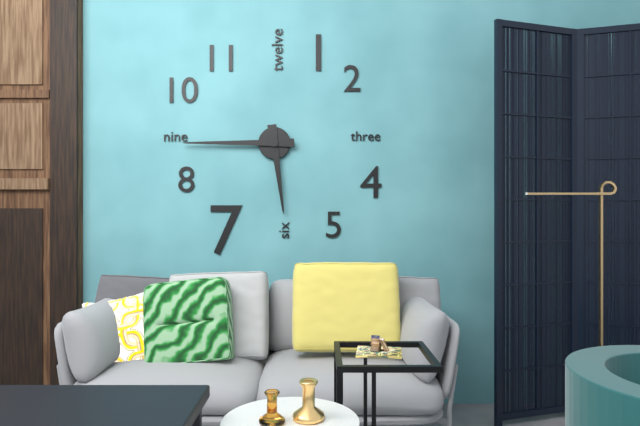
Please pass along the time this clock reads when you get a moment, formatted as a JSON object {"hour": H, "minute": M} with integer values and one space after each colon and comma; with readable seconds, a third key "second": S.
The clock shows {"hour": 5, "minute": 45}
